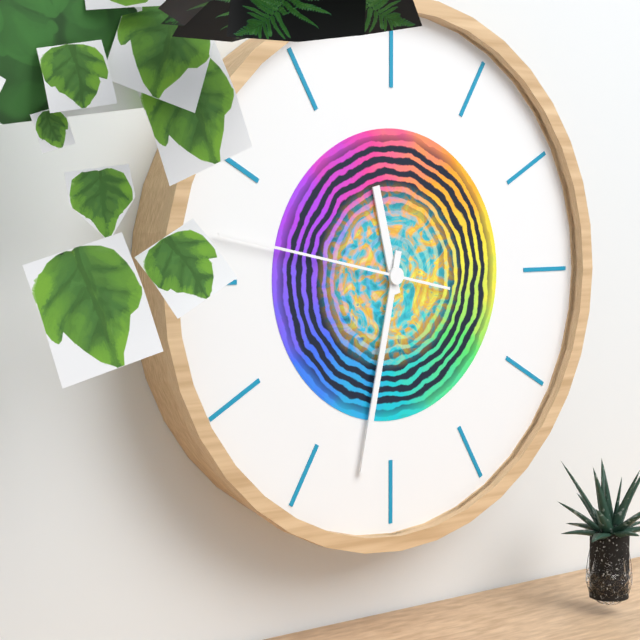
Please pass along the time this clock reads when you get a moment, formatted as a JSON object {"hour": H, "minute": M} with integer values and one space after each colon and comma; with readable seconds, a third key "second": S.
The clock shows {"hour": 11, "minute": 32, "second": 47}
